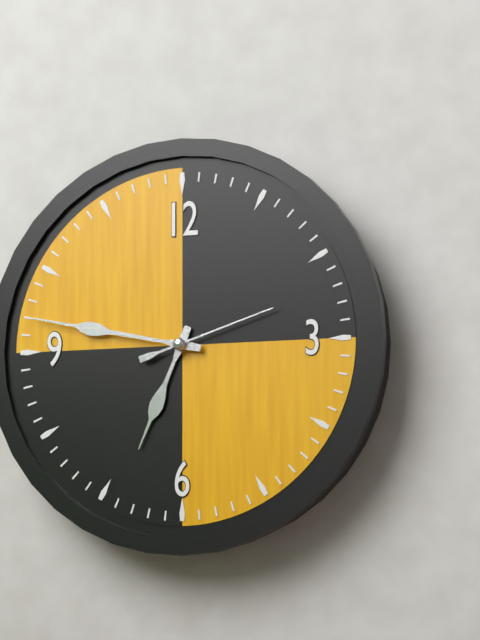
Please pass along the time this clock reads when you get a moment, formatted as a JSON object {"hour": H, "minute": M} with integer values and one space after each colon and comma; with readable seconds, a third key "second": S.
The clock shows {"hour": 6, "minute": 47, "second": 12}
